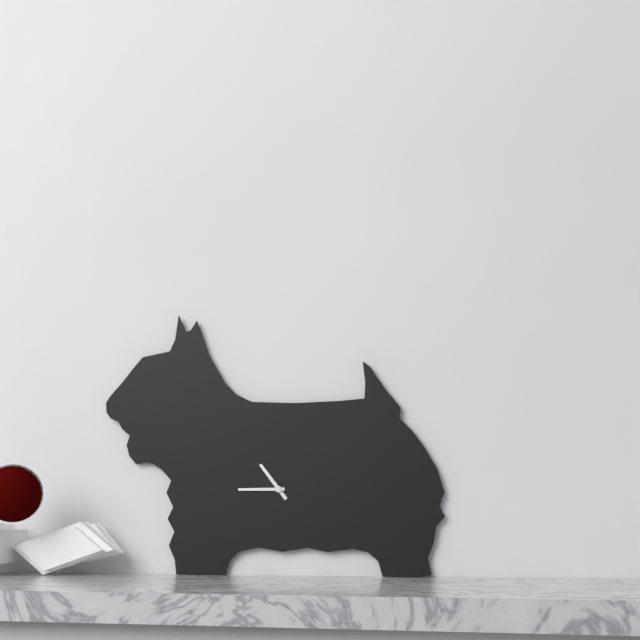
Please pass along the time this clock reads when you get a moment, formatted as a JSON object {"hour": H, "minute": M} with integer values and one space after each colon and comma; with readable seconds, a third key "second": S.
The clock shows {"hour": 10, "minute": 45}
